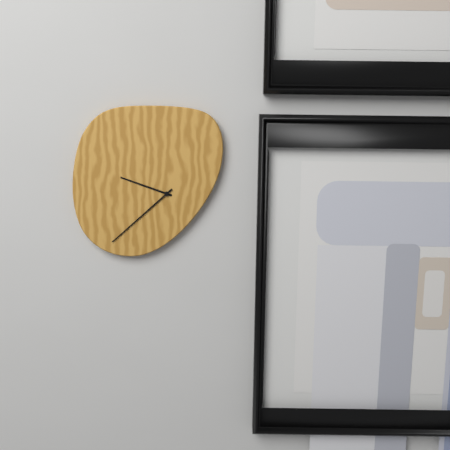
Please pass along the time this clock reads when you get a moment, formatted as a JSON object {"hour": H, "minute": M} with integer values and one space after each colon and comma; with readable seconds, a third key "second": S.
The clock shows {"hour": 9, "minute": 38}
